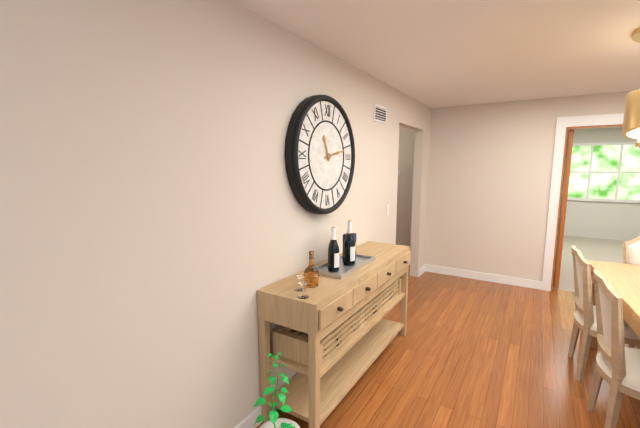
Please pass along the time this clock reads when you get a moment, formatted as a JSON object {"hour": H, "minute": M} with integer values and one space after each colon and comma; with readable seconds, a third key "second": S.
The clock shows {"hour": 11, "minute": 13}
